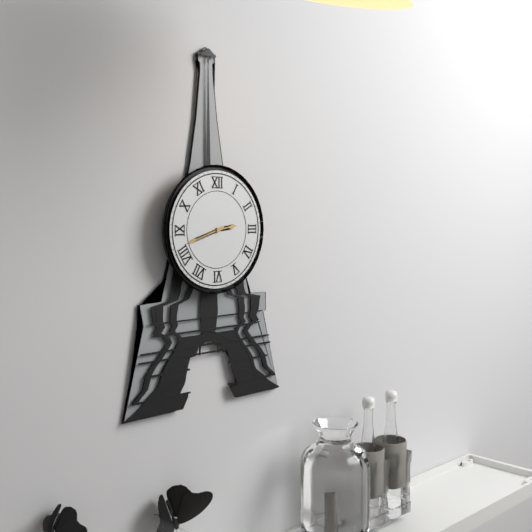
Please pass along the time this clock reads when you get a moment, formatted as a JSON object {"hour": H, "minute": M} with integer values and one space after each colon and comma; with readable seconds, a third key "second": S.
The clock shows {"hour": 2, "minute": 42}
